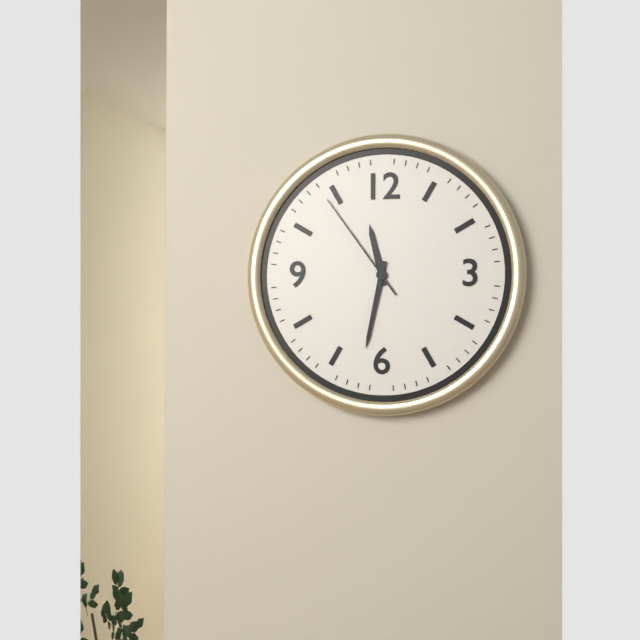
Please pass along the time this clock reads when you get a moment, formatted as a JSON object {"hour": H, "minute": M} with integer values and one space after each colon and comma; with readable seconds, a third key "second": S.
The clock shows {"hour": 11, "minute": 32, "second": 54}
